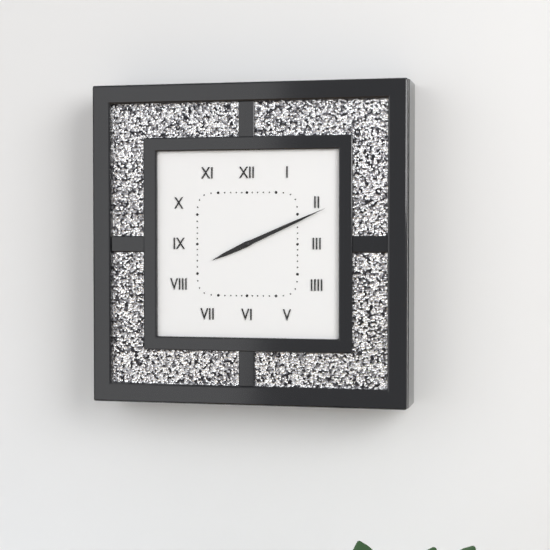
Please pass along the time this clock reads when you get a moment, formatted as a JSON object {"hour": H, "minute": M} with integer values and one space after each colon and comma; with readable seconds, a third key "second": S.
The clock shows {"hour": 8, "minute": 11}
